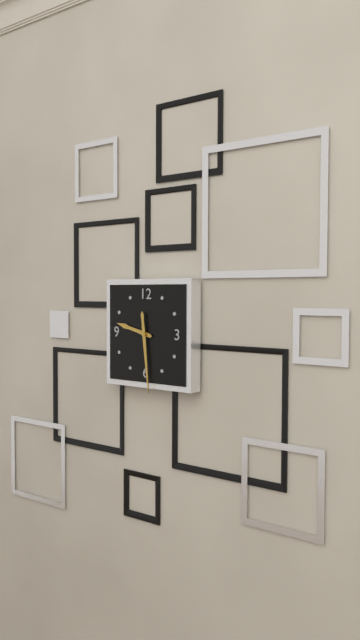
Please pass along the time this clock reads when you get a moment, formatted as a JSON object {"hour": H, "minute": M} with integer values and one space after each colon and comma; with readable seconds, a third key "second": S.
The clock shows {"hour": 9, "minute": 29}
